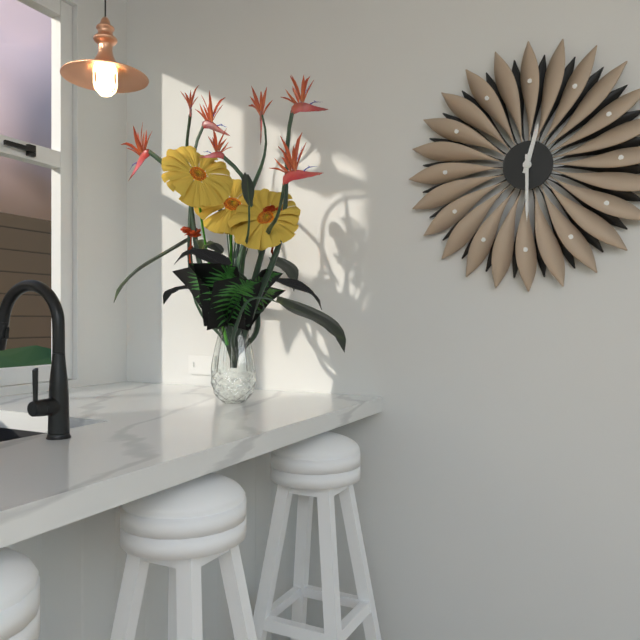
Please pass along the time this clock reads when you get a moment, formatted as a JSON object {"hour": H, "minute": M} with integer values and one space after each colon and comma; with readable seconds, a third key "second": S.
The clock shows {"hour": 12, "minute": 30}
